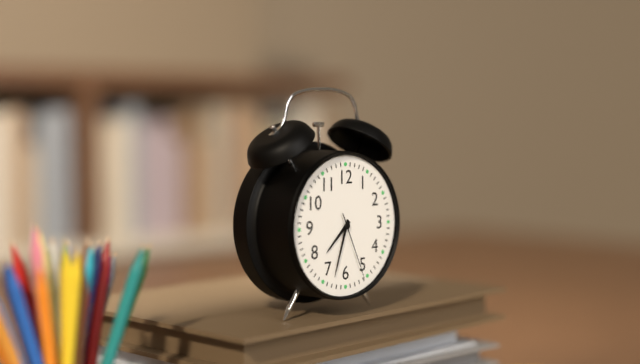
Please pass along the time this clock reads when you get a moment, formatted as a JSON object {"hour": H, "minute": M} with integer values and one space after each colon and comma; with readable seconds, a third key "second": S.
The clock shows {"hour": 7, "minute": 33, "second": 26}
